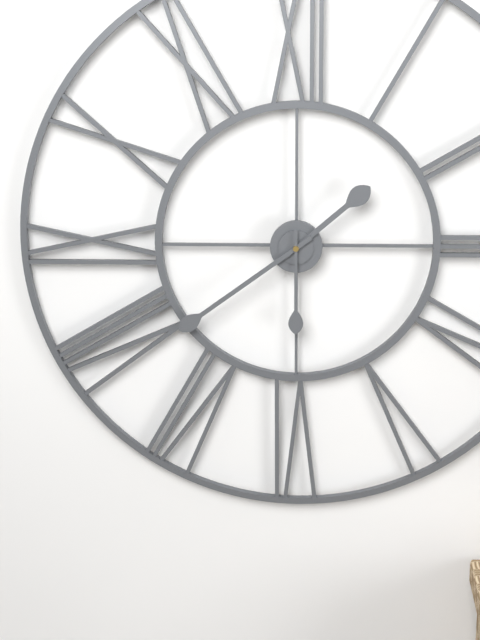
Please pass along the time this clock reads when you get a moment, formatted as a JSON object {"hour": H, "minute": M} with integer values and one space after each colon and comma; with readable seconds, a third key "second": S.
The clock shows {"hour": 1, "minute": 39, "second": 30}
